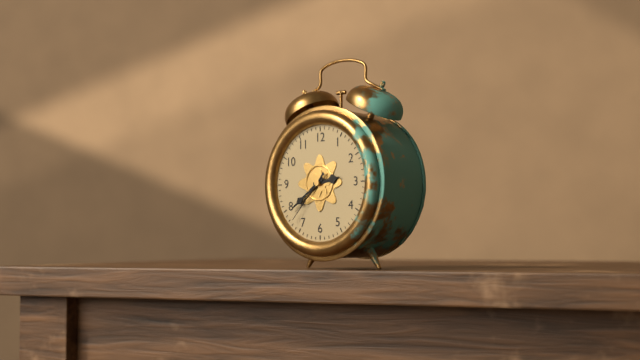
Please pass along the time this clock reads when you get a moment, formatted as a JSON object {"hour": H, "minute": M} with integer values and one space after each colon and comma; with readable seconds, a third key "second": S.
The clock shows {"hour": 2, "minute": 39, "second": 37}
